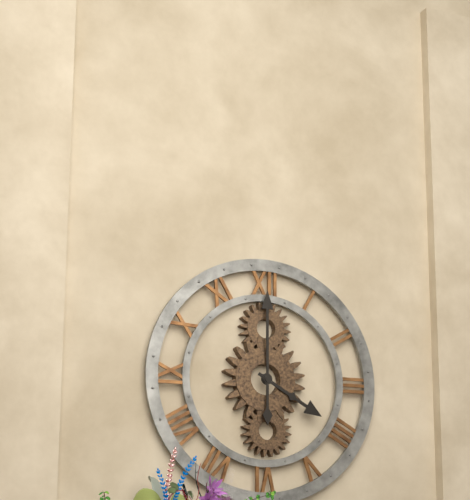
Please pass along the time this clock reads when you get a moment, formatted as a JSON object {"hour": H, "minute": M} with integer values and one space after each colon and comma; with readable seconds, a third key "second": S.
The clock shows {"hour": 4, "minute": 0}
